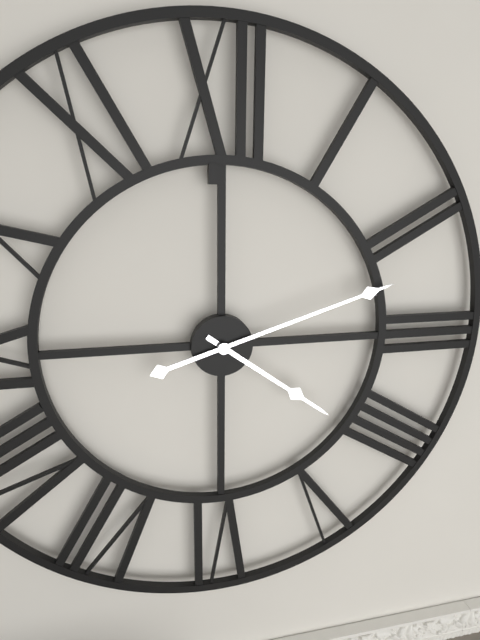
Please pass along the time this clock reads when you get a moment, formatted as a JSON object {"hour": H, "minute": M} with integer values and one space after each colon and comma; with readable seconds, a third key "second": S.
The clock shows {"hour": 4, "minute": 12}
